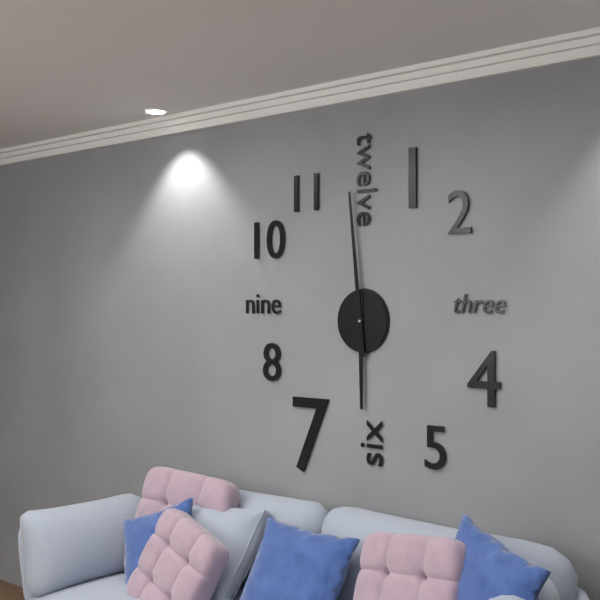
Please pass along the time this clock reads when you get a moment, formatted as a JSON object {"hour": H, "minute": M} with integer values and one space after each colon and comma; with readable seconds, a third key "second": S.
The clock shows {"hour": 5, "minute": 59}
